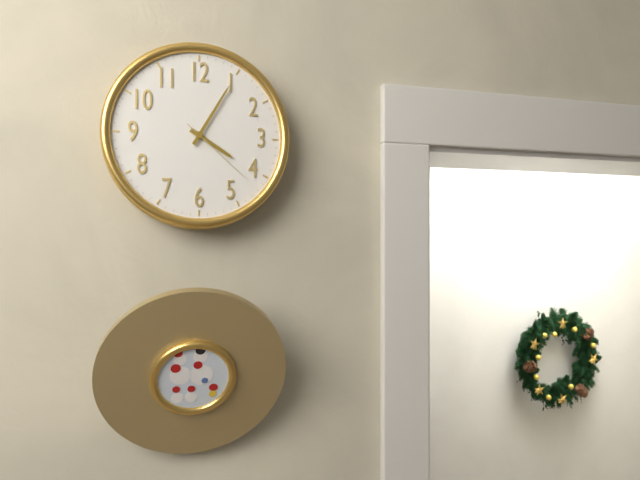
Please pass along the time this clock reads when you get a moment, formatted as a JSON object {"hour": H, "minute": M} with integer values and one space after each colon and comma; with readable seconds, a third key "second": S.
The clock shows {"hour": 4, "minute": 5, "second": 22}
